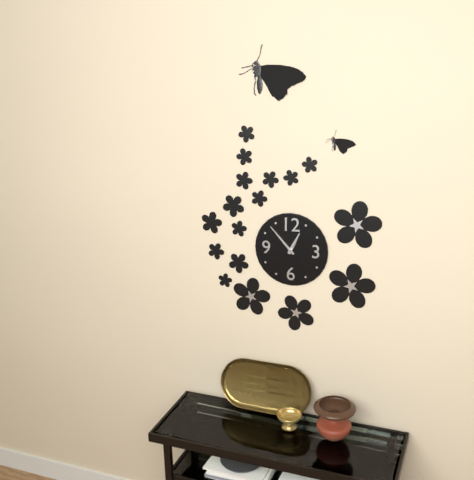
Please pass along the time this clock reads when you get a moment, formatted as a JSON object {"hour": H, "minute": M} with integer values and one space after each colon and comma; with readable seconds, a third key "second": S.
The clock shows {"hour": 12, "minute": 53}
